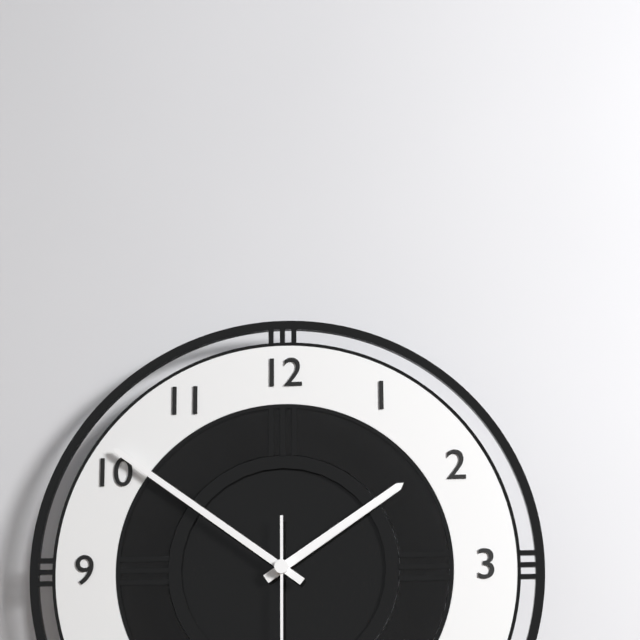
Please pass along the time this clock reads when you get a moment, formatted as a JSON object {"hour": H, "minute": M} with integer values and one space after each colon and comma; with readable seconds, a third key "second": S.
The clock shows {"hour": 1, "minute": 51}
